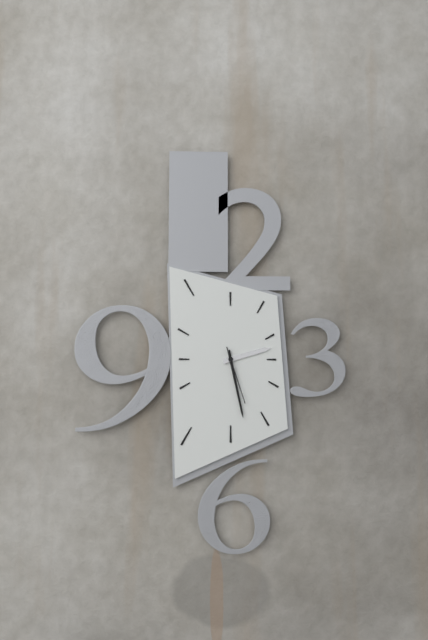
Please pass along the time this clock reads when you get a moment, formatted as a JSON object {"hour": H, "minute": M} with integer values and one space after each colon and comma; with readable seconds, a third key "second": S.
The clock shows {"hour": 2, "minute": 28, "second": 27}
